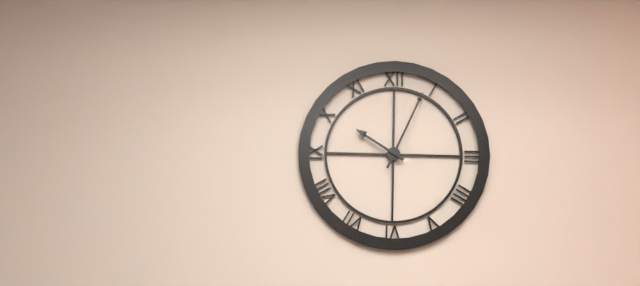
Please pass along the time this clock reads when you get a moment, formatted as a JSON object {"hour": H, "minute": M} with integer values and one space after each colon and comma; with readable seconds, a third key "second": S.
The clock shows {"hour": 10, "minute": 4}
